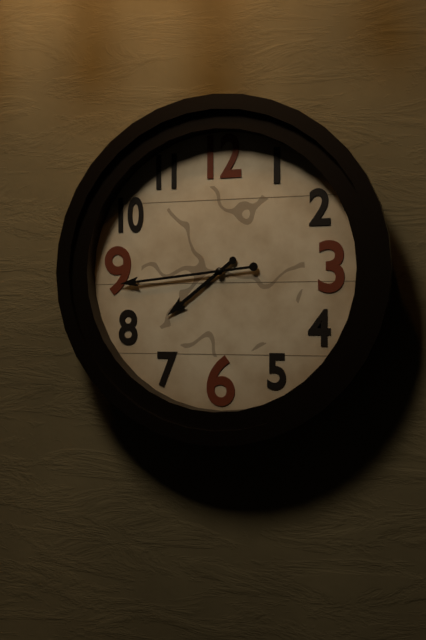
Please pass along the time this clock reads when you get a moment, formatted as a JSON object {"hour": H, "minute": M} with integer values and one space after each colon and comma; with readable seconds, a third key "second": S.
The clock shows {"hour": 7, "minute": 44}
